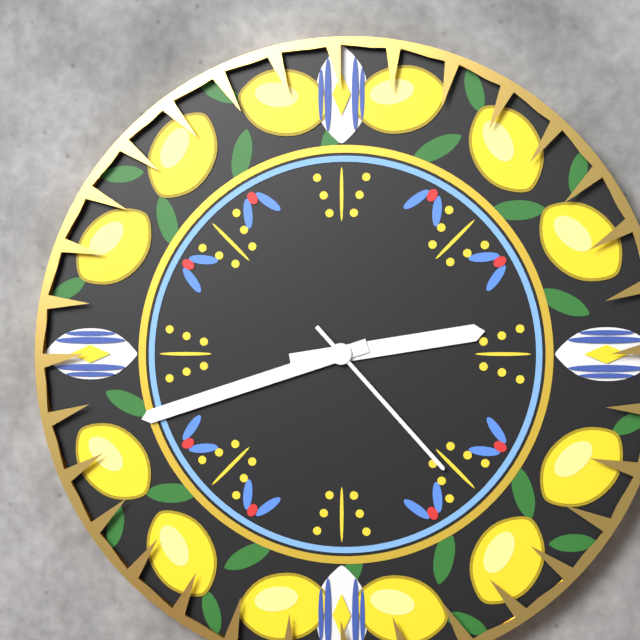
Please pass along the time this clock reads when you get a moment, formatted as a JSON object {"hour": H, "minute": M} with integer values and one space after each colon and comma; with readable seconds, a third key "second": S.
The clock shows {"hour": 2, "minute": 42, "second": 23}
